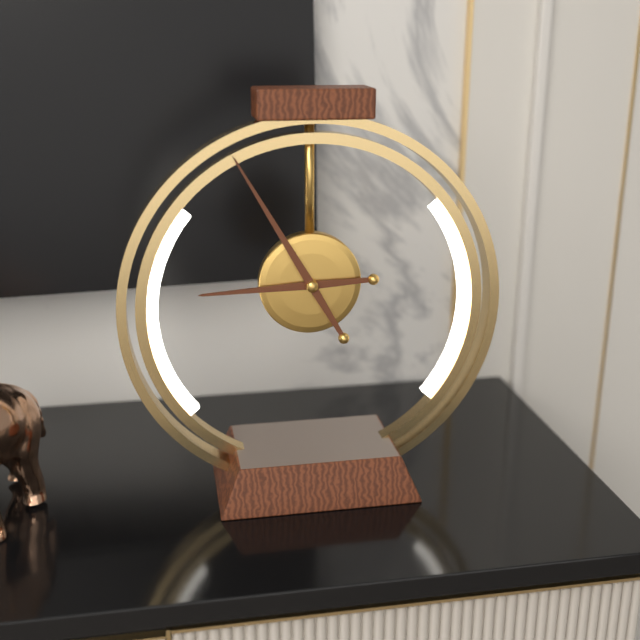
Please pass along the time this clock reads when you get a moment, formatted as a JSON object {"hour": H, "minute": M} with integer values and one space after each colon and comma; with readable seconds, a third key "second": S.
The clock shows {"hour": 8, "minute": 55}
